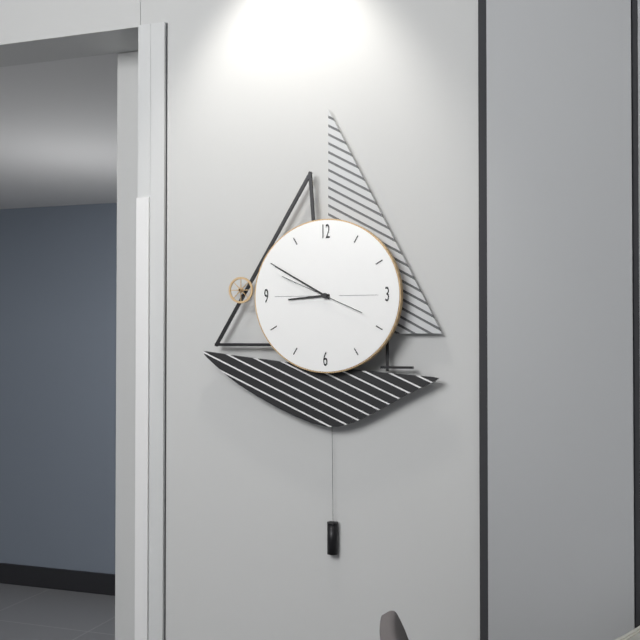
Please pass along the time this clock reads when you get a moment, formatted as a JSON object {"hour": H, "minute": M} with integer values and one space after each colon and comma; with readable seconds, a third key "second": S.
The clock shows {"hour": 8, "minute": 50, "second": 49}
